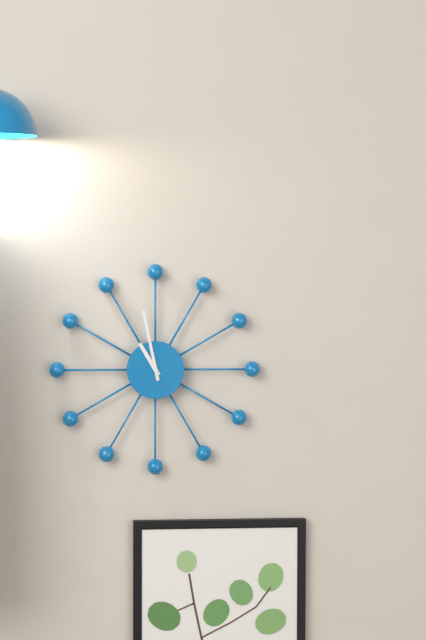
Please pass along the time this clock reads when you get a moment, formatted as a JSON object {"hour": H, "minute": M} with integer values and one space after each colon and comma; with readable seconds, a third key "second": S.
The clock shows {"hour": 10, "minute": 58}
